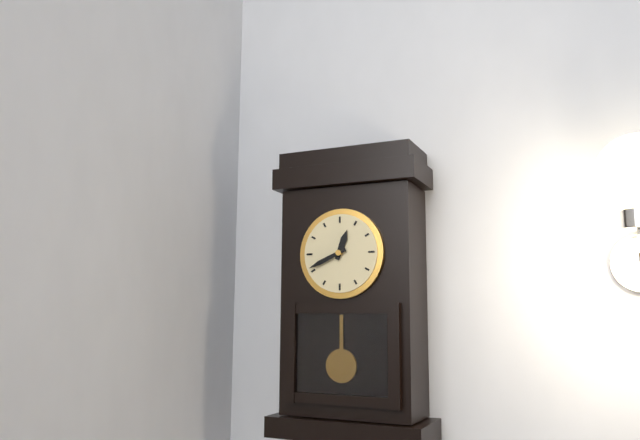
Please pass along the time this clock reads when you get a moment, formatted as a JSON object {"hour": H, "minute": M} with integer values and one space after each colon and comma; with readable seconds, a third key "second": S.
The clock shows {"hour": 12, "minute": 41}
